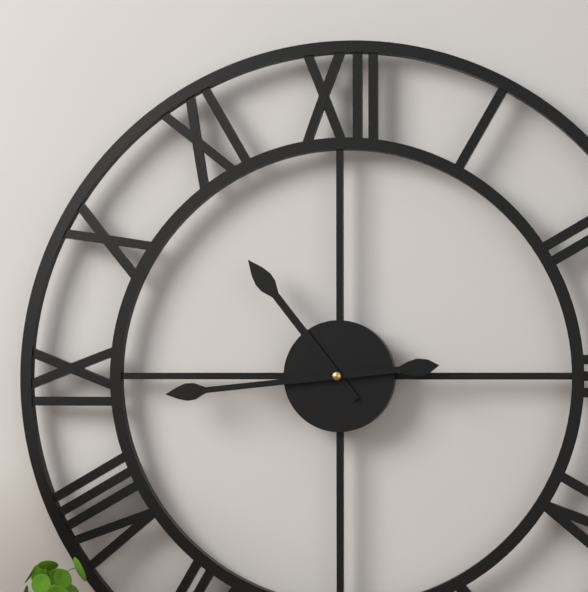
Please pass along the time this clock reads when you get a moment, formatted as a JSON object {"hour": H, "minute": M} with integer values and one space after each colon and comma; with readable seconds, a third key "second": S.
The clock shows {"hour": 10, "minute": 44}
